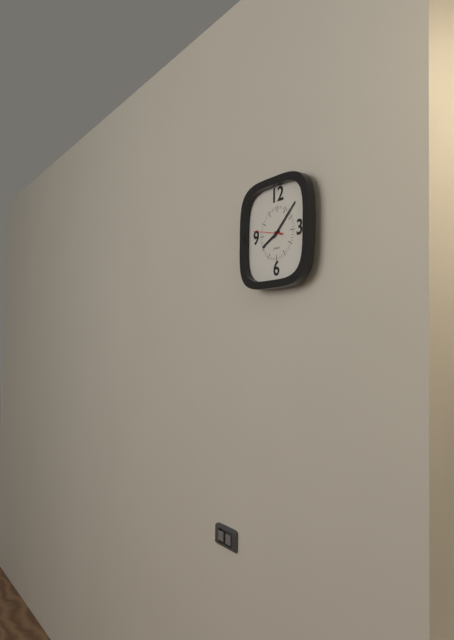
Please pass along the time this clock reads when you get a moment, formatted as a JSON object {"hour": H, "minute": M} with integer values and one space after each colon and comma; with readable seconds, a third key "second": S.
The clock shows {"hour": 8, "minute": 8}
